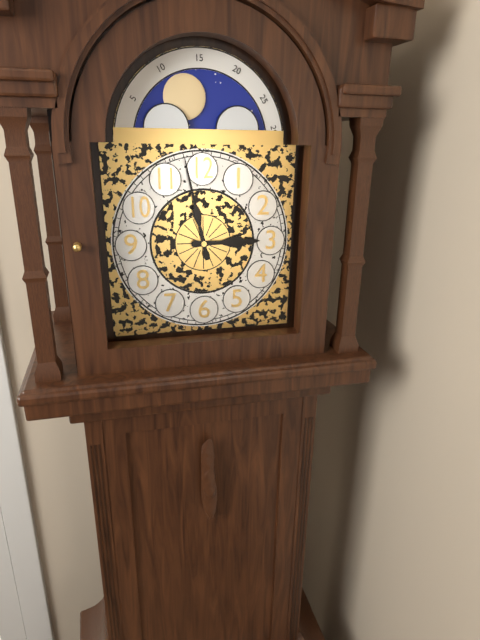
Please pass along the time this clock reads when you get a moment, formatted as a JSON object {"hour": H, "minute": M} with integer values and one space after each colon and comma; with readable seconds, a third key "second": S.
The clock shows {"hour": 2, "minute": 58}
